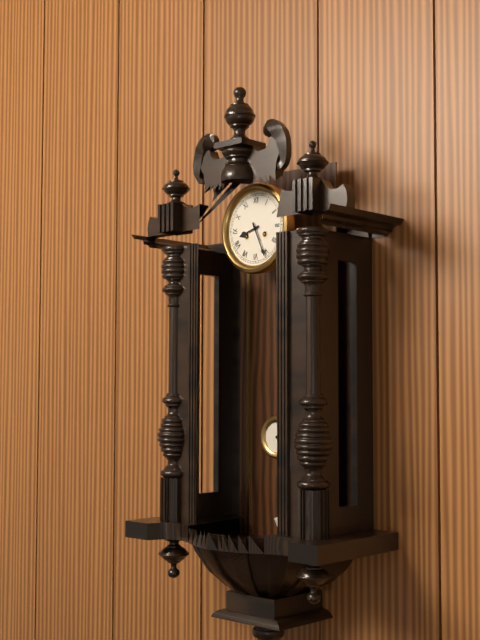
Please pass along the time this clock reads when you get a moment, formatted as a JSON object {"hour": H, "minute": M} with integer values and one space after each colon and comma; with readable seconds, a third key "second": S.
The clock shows {"hour": 8, "minute": 26}
